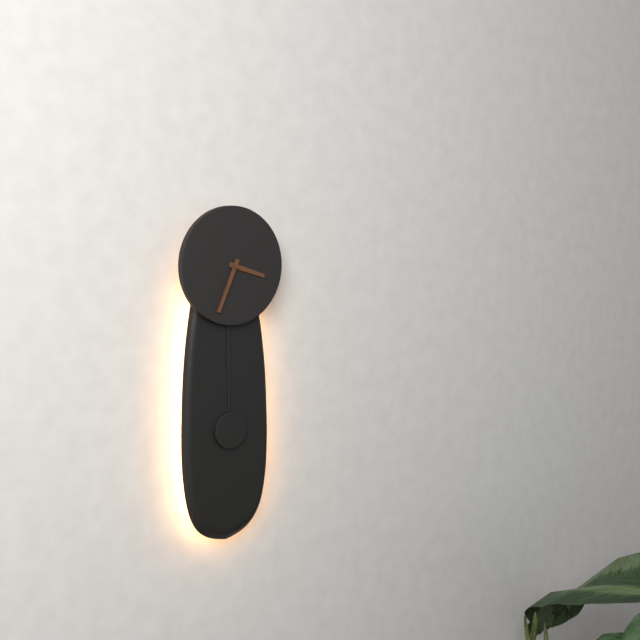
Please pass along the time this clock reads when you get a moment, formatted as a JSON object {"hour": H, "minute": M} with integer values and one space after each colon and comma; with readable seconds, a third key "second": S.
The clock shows {"hour": 3, "minute": 34}
